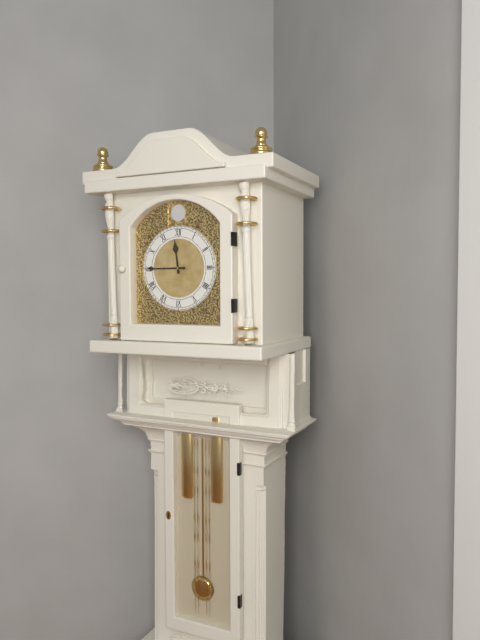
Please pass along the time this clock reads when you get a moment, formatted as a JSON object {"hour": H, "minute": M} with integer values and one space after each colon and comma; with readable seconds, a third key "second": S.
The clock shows {"hour": 11, "minute": 45}
